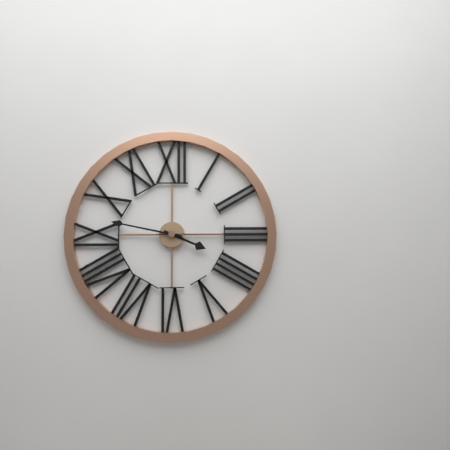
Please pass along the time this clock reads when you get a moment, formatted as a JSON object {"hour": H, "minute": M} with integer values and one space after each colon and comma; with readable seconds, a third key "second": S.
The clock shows {"hour": 3, "minute": 47, "second": 15}
